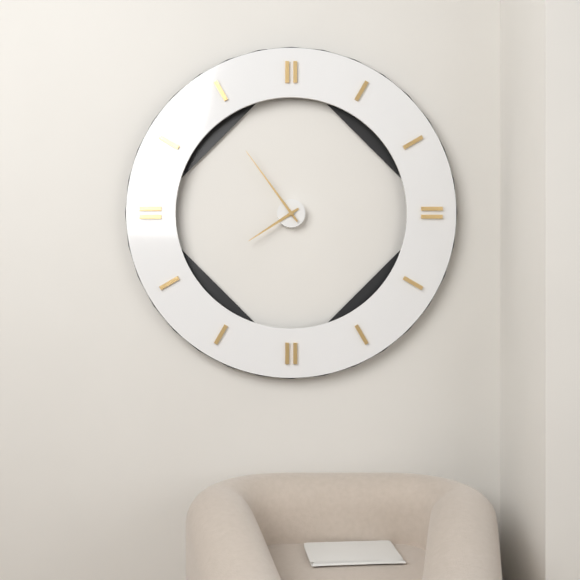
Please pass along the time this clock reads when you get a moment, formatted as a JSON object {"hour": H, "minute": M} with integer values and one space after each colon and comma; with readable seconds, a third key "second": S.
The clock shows {"hour": 7, "minute": 54}
